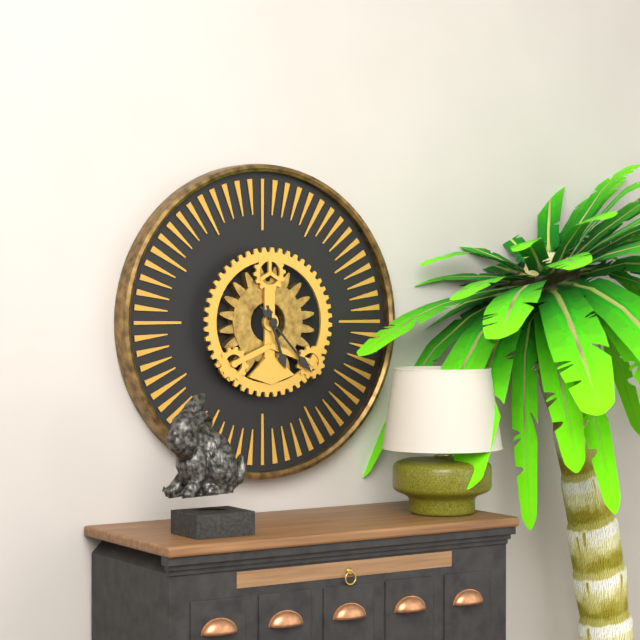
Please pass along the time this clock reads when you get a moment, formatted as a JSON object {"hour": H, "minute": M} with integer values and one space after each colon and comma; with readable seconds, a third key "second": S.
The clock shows {"hour": 5, "minute": 23}
